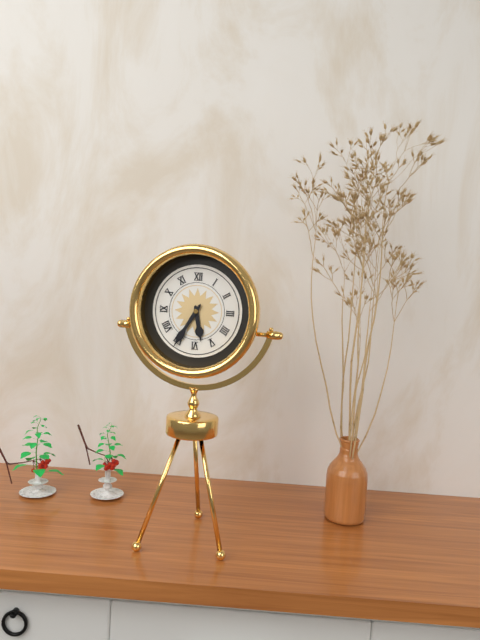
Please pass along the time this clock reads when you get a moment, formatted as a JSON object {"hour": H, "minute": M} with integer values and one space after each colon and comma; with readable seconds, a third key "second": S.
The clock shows {"hour": 5, "minute": 35}
